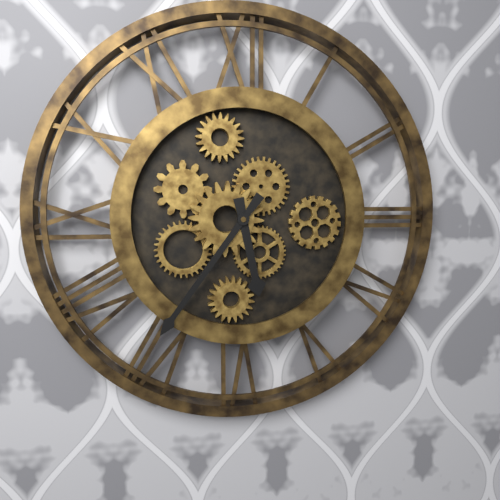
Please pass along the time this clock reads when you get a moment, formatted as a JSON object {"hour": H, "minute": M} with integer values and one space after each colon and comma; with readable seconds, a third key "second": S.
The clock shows {"hour": 5, "minute": 36}
